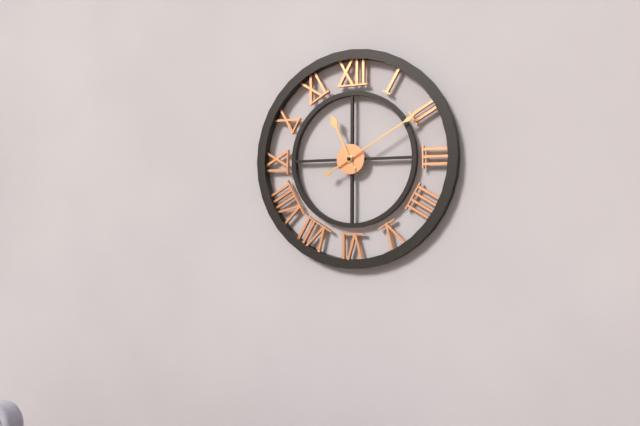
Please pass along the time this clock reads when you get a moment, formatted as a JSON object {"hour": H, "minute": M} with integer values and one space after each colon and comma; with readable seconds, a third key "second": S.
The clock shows {"hour": 11, "minute": 10}
